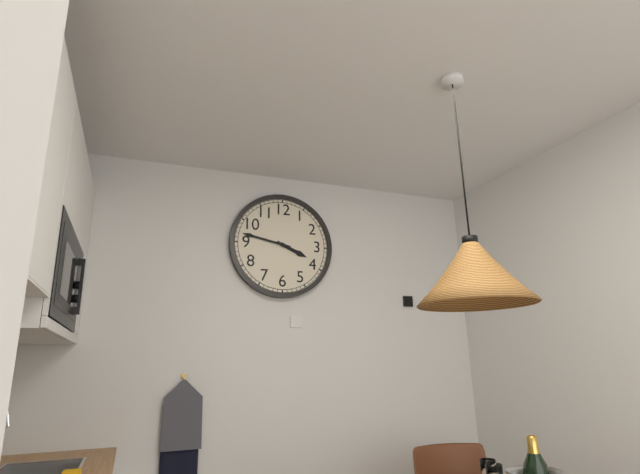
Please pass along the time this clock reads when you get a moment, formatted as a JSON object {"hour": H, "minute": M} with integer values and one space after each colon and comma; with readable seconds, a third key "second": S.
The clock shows {"hour": 3, "minute": 47}
